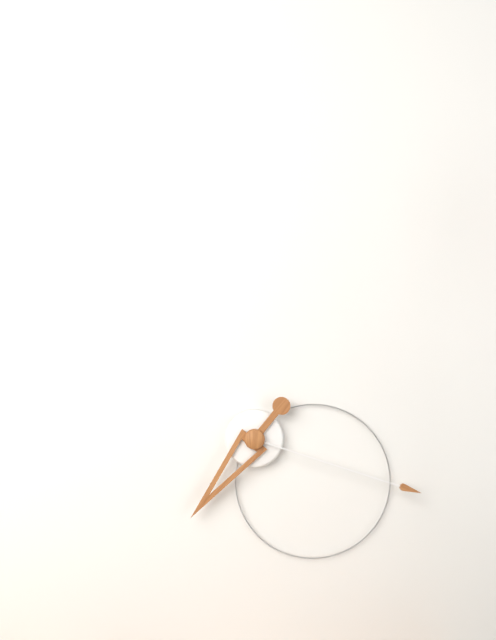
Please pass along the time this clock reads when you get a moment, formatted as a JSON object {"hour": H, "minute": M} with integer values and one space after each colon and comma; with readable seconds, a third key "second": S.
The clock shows {"hour": 7, "minute": 18}
